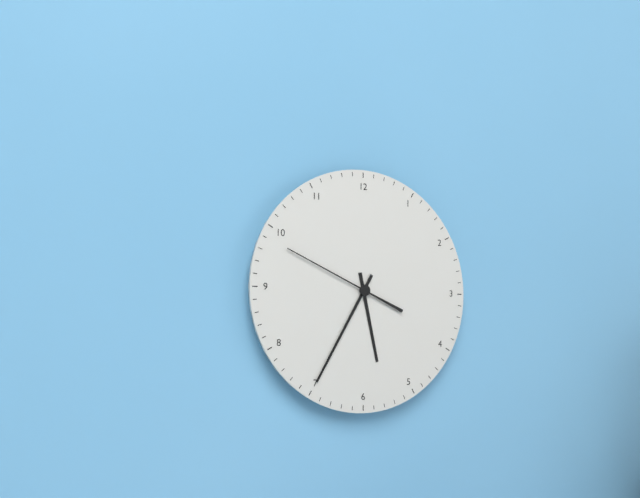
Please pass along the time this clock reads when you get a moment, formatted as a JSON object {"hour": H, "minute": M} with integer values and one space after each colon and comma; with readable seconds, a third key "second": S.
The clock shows {"hour": 5, "minute": 35, "second": 49}
